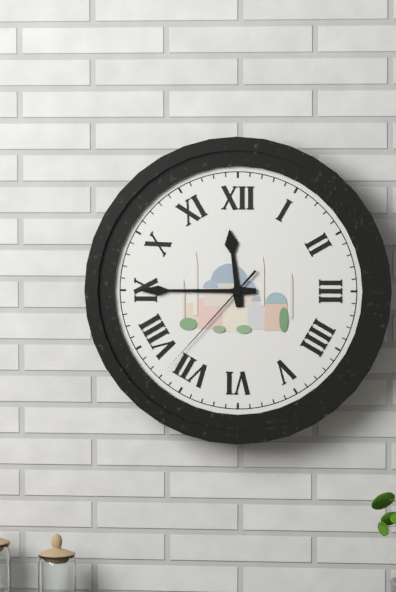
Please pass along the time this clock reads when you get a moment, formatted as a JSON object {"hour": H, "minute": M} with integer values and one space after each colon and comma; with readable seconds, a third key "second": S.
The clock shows {"hour": 11, "minute": 45, "second": 37}
